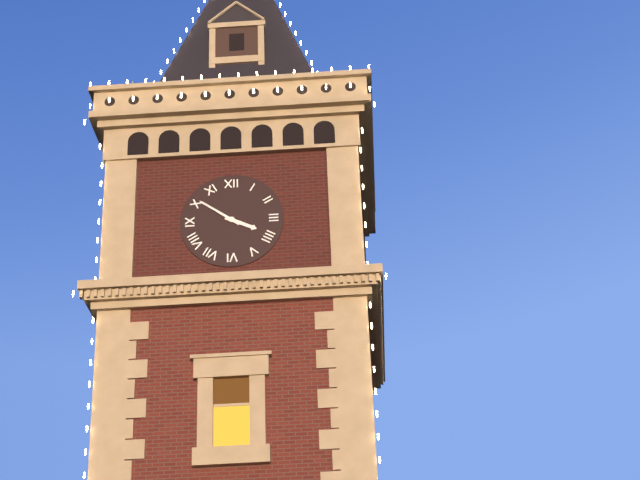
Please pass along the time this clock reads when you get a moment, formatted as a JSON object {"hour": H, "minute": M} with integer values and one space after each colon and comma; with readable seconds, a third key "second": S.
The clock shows {"hour": 3, "minute": 51}
